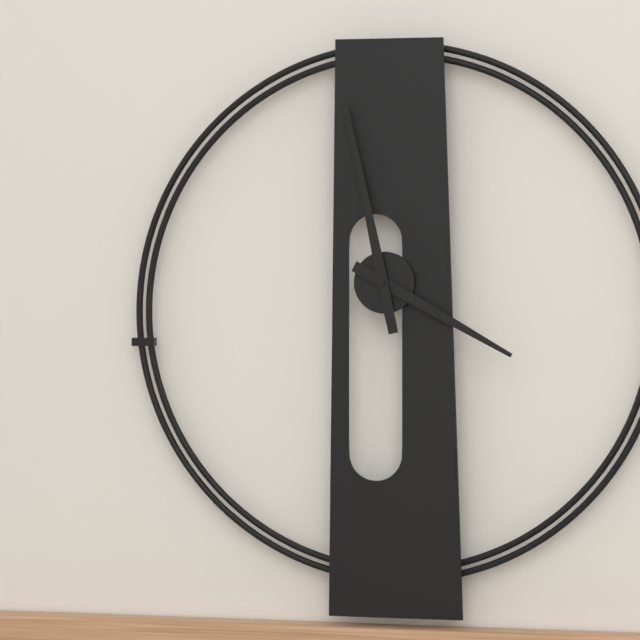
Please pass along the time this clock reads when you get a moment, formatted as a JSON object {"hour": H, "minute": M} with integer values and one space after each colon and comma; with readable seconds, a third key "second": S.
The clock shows {"hour": 3, "minute": 58}
